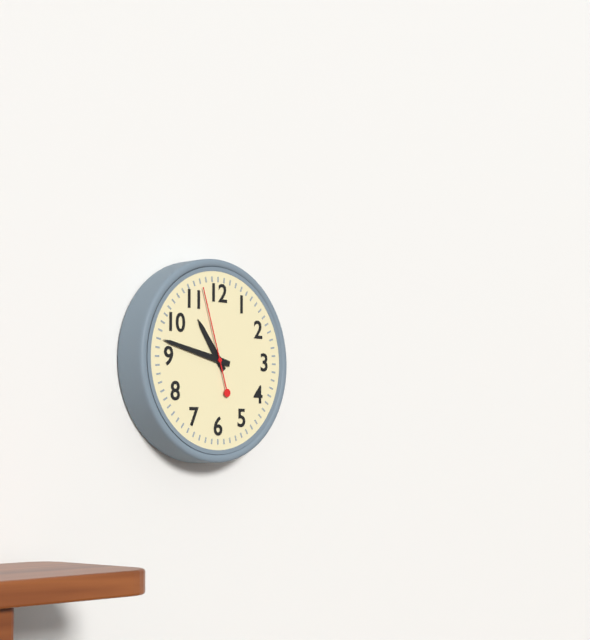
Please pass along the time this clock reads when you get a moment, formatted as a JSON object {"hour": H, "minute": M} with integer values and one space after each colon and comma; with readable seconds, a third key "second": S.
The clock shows {"hour": 10, "minute": 47, "second": 57}
